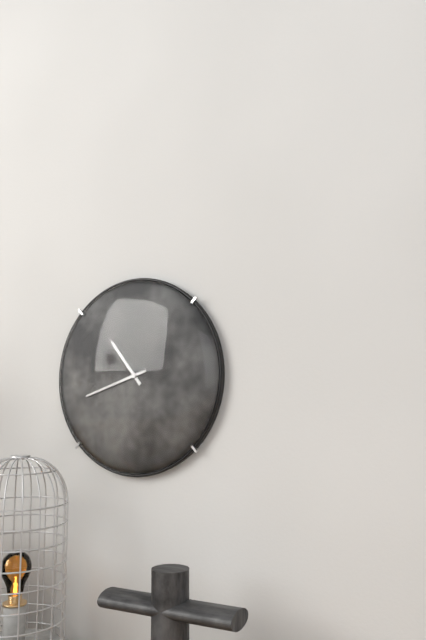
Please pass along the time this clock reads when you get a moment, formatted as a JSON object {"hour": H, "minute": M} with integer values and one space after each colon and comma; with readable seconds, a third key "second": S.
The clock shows {"hour": 10, "minute": 42}
